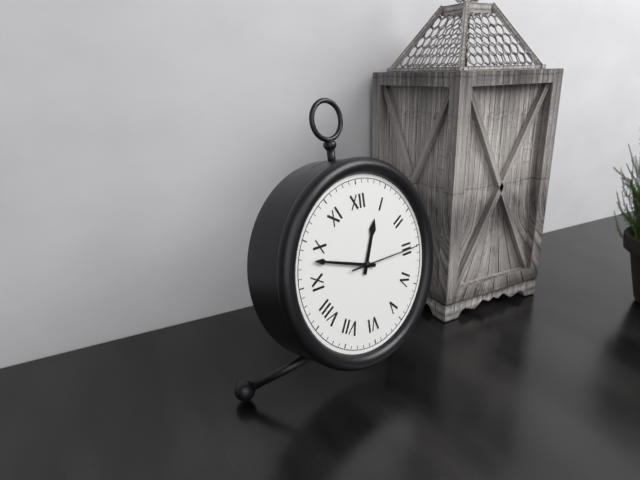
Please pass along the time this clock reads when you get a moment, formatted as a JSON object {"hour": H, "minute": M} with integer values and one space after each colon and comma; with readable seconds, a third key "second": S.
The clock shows {"hour": 12, "minute": 48, "second": 15}
